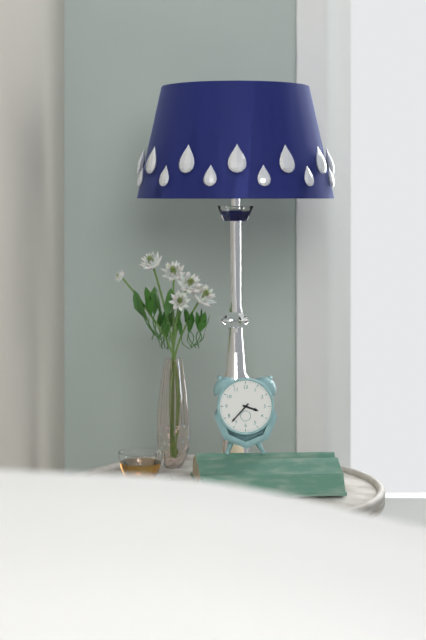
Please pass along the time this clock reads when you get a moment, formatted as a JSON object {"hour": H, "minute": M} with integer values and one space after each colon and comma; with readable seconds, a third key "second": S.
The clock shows {"hour": 3, "minute": 37}
